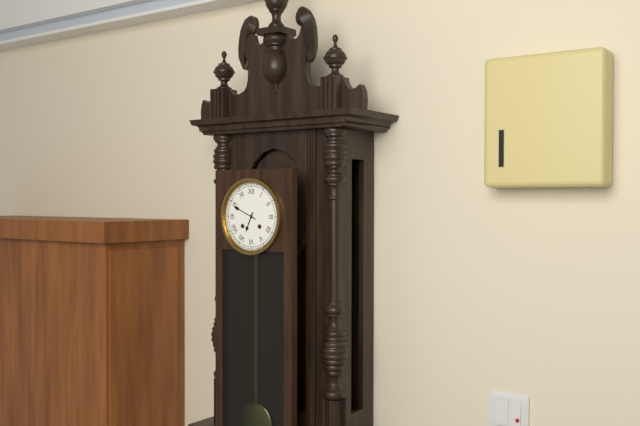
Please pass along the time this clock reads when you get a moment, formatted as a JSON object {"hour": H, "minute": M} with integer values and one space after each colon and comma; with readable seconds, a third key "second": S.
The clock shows {"hour": 6, "minute": 49}
